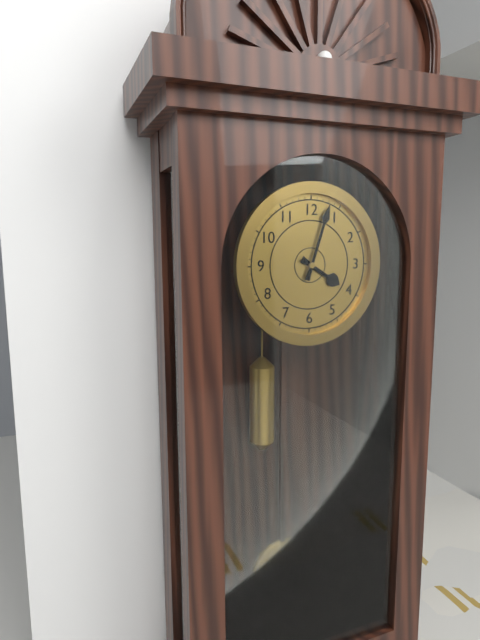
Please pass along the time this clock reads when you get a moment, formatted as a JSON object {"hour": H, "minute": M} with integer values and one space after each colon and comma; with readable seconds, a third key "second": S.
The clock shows {"hour": 4, "minute": 3}
